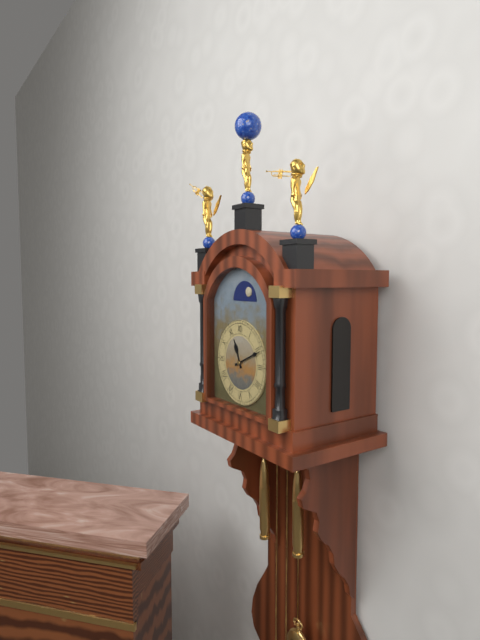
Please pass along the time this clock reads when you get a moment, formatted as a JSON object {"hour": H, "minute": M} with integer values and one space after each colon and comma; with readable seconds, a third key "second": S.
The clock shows {"hour": 11, "minute": 11}
